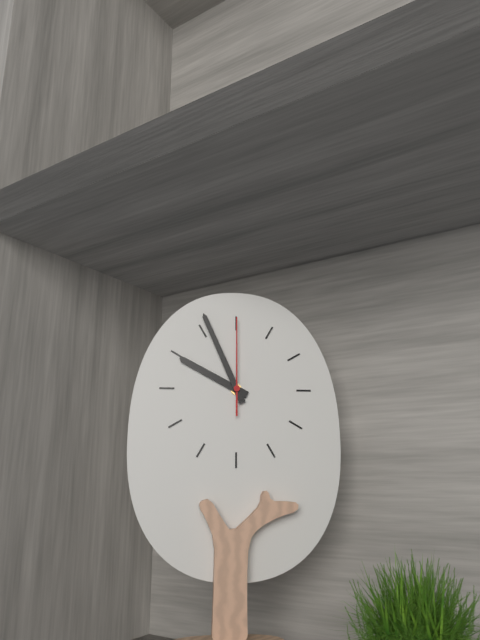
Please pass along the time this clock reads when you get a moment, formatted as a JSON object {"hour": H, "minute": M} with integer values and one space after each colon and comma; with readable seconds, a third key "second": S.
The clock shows {"hour": 9, "minute": 56, "second": 0}
